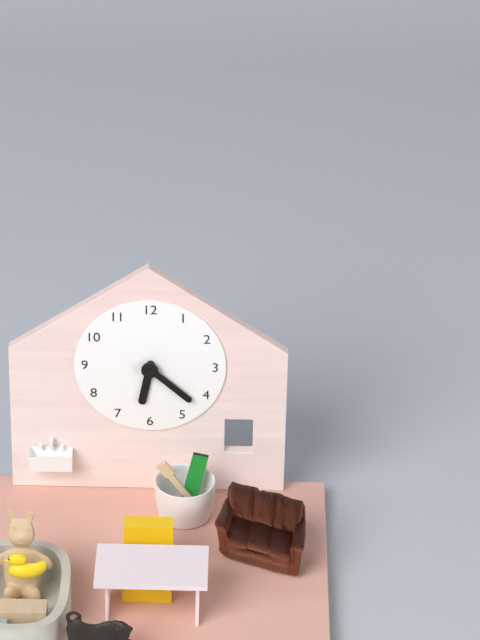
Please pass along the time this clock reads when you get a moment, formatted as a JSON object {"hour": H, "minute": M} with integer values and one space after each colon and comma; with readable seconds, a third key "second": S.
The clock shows {"hour": 6, "minute": 22}
